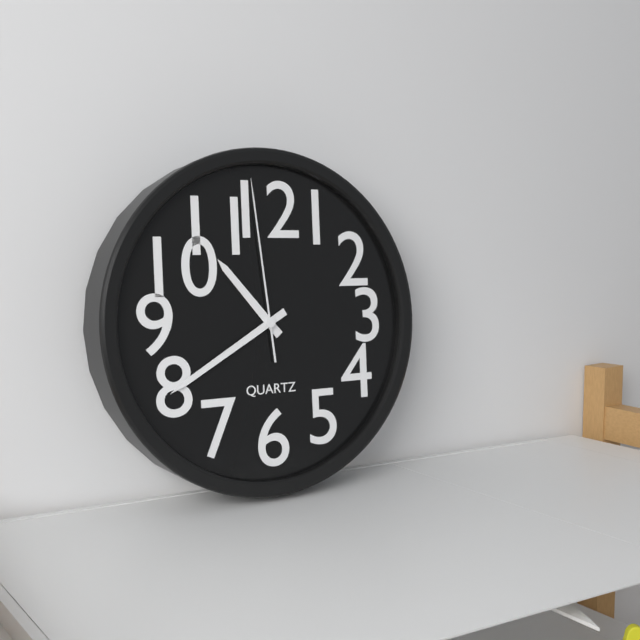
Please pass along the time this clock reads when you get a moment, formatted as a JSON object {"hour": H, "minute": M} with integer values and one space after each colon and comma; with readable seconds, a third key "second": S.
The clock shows {"hour": 10, "minute": 40, "second": 59}
